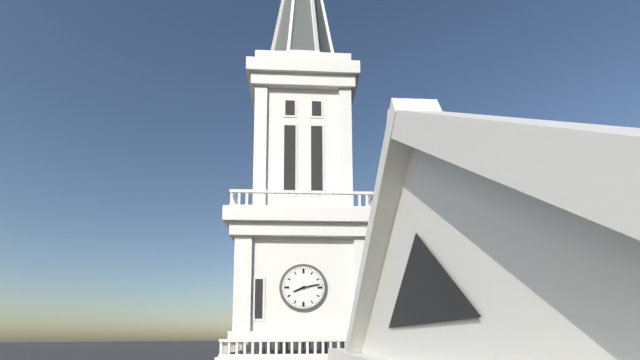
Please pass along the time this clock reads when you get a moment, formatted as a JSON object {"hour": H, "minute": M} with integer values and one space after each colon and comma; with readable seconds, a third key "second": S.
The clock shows {"hour": 8, "minute": 13}
